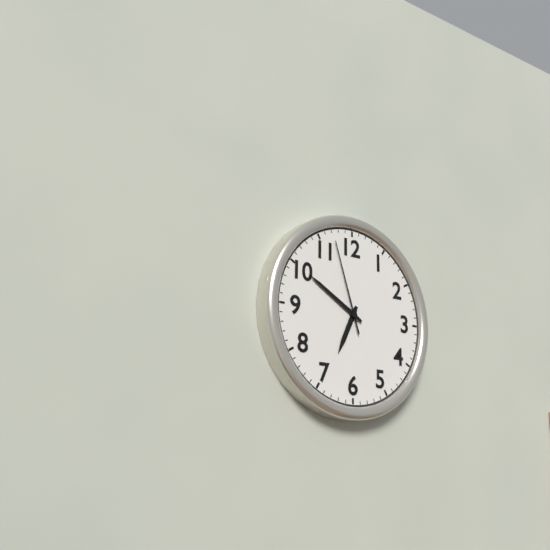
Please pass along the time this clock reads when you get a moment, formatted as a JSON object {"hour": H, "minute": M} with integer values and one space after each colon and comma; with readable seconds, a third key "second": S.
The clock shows {"hour": 6, "minute": 50, "second": 57}
